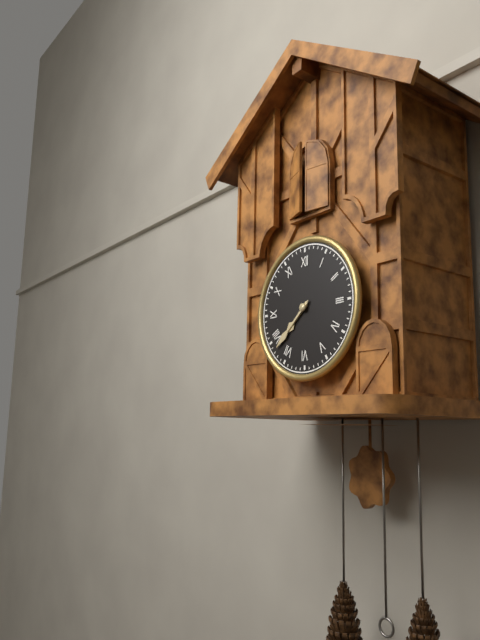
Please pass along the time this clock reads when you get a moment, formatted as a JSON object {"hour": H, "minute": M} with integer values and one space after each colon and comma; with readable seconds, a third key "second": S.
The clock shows {"hour": 7, "minute": 38}
